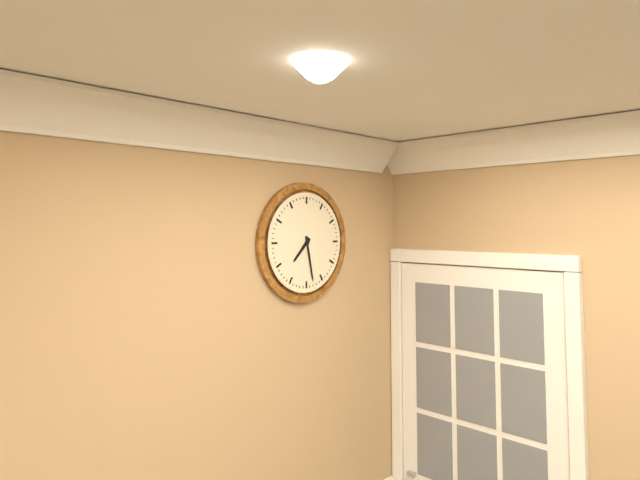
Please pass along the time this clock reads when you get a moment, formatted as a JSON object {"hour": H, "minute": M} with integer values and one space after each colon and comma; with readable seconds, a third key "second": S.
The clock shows {"hour": 7, "minute": 28}
